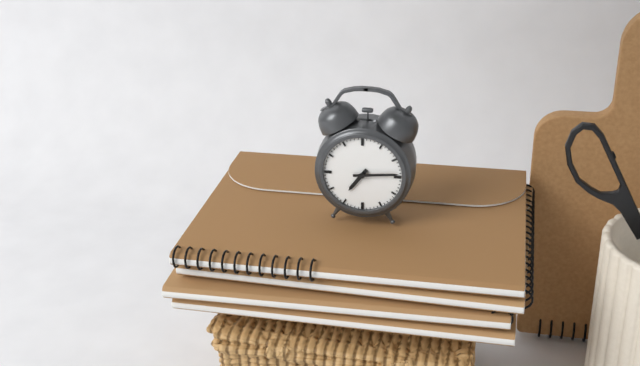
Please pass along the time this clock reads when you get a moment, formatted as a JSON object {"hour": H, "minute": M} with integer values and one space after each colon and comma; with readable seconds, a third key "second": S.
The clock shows {"hour": 7, "minute": 14}
